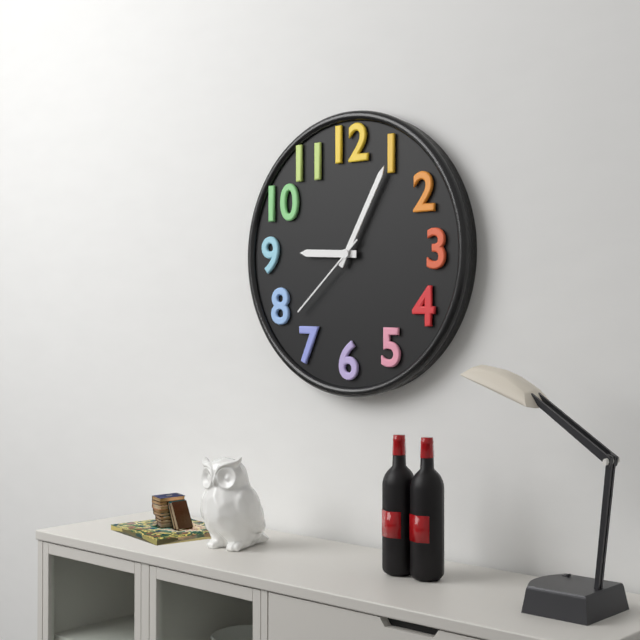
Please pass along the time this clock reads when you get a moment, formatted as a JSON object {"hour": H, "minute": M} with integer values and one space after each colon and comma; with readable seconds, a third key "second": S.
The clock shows {"hour": 9, "minute": 5, "second": 38}
